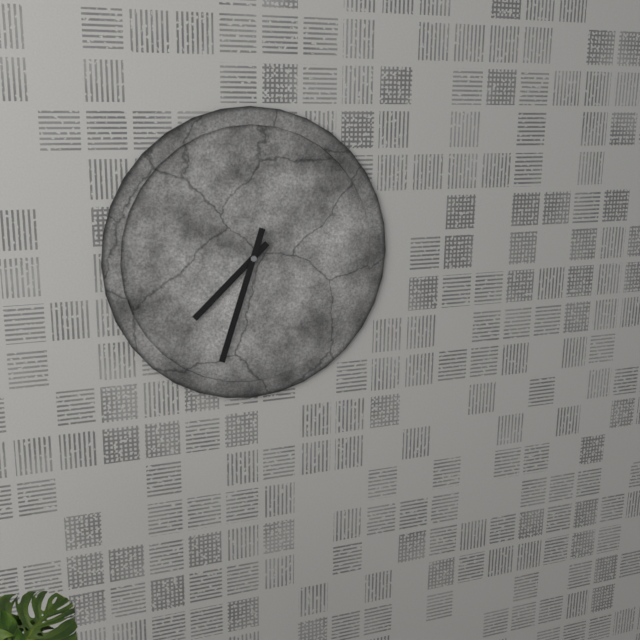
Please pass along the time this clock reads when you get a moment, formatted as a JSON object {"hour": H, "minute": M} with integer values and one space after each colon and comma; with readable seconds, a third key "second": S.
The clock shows {"hour": 7, "minute": 33}
